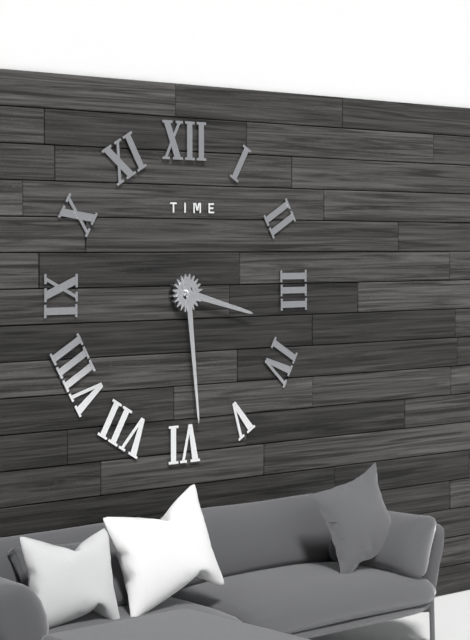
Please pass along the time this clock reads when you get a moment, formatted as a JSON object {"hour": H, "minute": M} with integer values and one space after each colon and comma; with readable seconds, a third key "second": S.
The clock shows {"hour": 3, "minute": 29}
